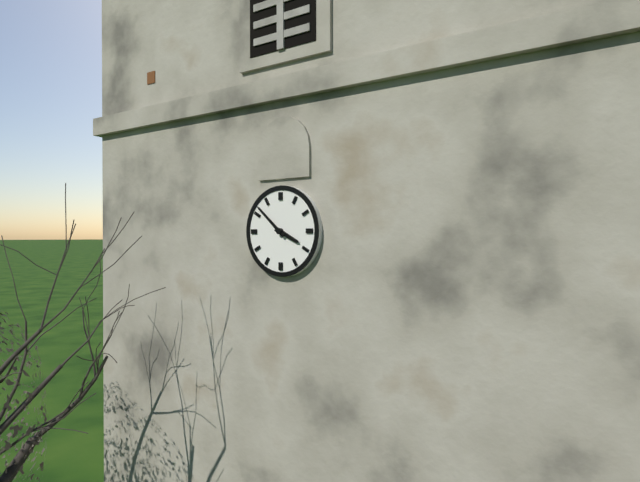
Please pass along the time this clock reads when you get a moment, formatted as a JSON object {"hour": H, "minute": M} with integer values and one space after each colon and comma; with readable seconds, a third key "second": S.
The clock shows {"hour": 3, "minute": 52}
